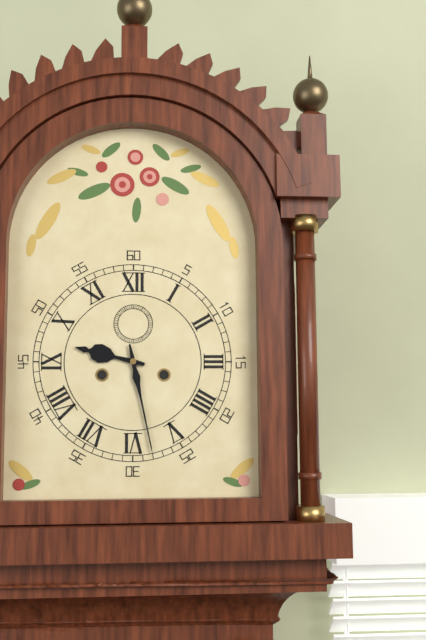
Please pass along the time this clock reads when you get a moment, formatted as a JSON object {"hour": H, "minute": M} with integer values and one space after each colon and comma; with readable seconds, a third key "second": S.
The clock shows {"hour": 9, "minute": 28}
